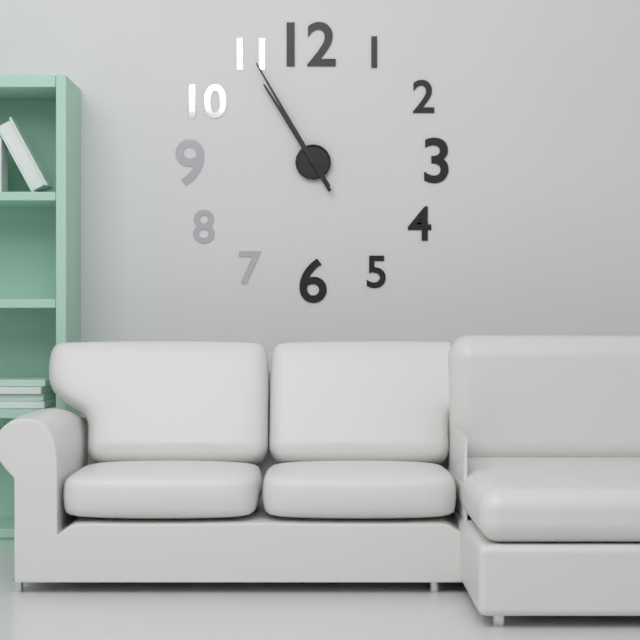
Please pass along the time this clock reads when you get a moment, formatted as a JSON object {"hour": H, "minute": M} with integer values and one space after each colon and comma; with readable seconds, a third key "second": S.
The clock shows {"hour": 10, "minute": 55}
